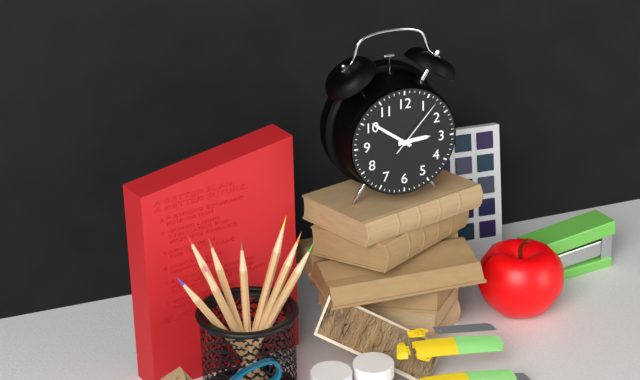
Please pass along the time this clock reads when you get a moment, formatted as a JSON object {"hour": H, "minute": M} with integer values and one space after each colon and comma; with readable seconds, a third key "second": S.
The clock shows {"hour": 2, "minute": 51, "second": 7}
